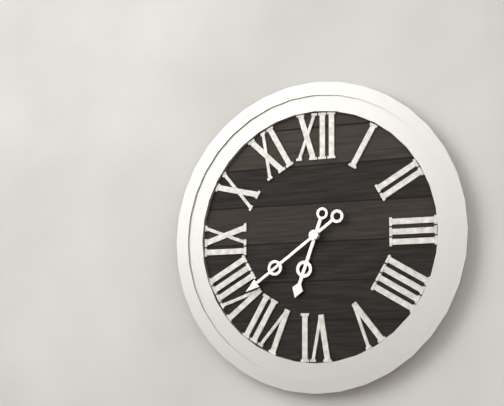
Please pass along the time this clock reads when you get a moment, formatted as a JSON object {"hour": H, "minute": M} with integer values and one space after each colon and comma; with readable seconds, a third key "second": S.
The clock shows {"hour": 6, "minute": 39}
